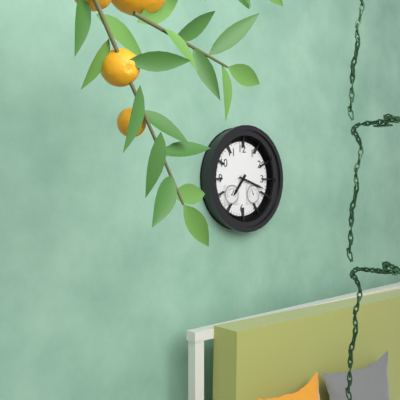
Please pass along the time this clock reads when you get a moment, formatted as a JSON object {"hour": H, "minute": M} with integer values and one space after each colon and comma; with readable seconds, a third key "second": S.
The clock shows {"hour": 7, "minute": 18}
